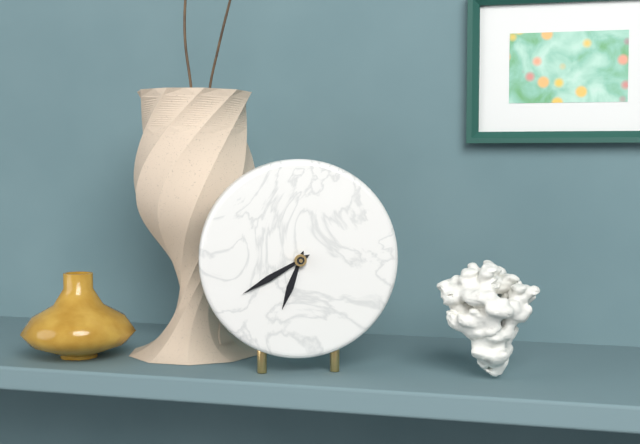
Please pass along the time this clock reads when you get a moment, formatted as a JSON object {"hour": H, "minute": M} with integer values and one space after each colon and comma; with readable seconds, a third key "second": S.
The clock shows {"hour": 6, "minute": 40}
